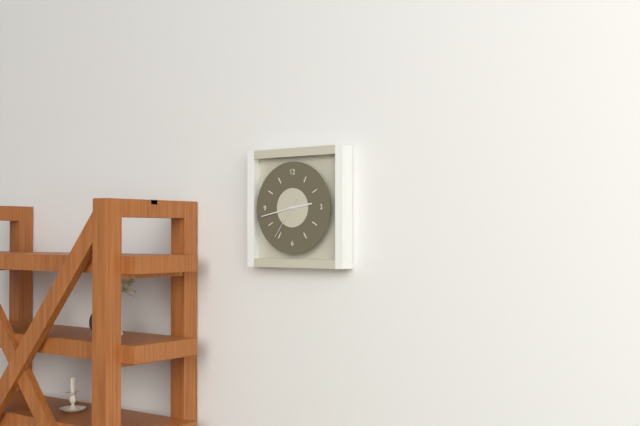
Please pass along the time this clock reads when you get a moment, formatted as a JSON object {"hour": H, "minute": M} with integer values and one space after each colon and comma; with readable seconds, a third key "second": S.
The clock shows {"hour": 2, "minute": 43}
